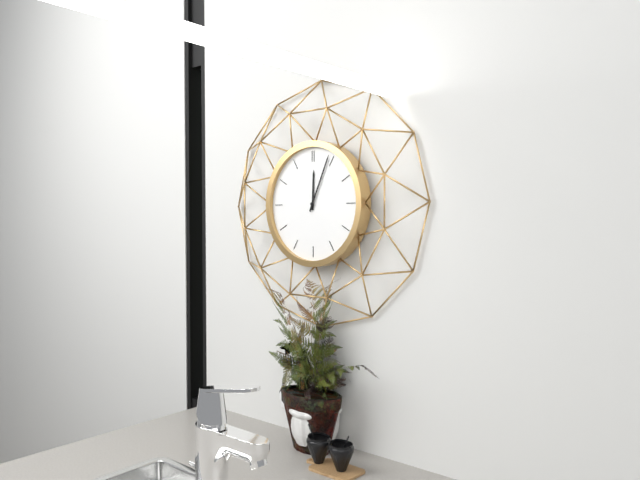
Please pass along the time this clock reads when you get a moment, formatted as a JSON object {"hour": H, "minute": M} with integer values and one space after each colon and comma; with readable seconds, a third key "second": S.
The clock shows {"hour": 12, "minute": 4}
